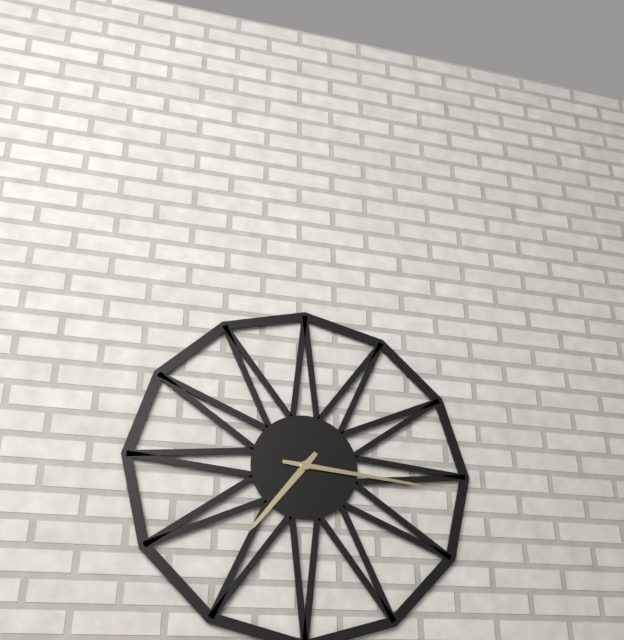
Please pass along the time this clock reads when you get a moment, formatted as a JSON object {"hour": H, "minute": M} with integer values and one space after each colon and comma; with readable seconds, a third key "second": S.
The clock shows {"hour": 7, "minute": 16}
